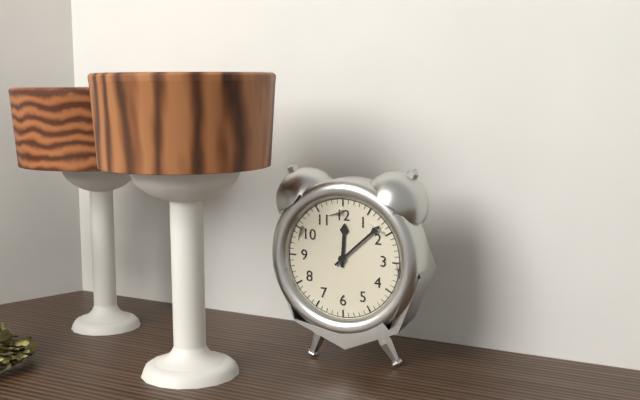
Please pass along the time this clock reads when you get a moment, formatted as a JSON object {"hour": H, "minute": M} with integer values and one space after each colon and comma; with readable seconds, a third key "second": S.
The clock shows {"hour": 12, "minute": 8}
